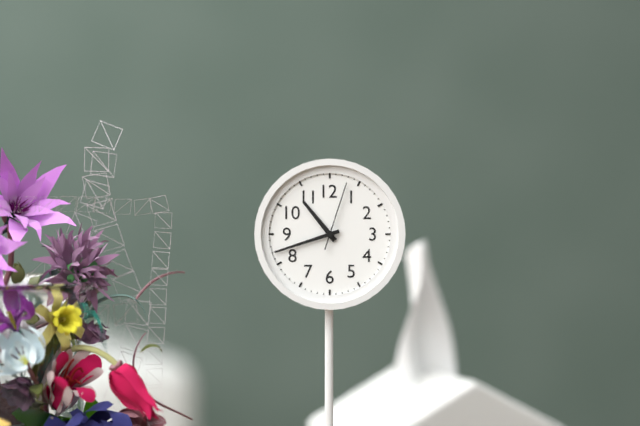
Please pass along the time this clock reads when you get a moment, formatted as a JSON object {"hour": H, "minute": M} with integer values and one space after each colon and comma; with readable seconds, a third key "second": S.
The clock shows {"hour": 10, "minute": 42, "second": 3}
